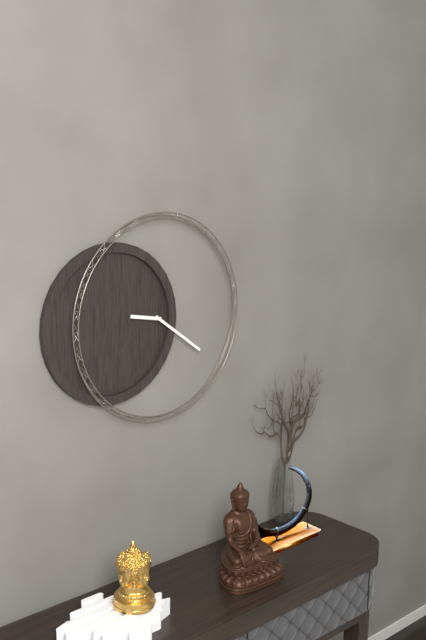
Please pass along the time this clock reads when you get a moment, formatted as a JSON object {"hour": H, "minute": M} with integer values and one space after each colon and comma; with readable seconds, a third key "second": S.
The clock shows {"hour": 9, "minute": 21}
